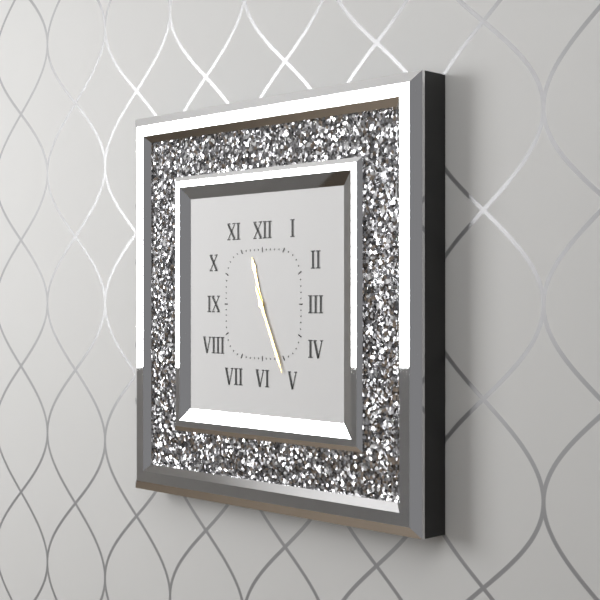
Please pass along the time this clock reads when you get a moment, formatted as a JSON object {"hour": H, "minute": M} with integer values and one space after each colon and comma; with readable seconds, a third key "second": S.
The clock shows {"hour": 11, "minute": 26}
